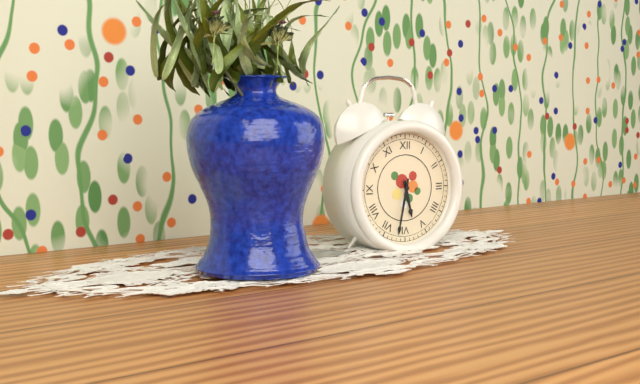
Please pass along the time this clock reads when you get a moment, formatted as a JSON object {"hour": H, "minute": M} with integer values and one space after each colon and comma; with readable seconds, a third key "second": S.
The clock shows {"hour": 5, "minute": 32}
